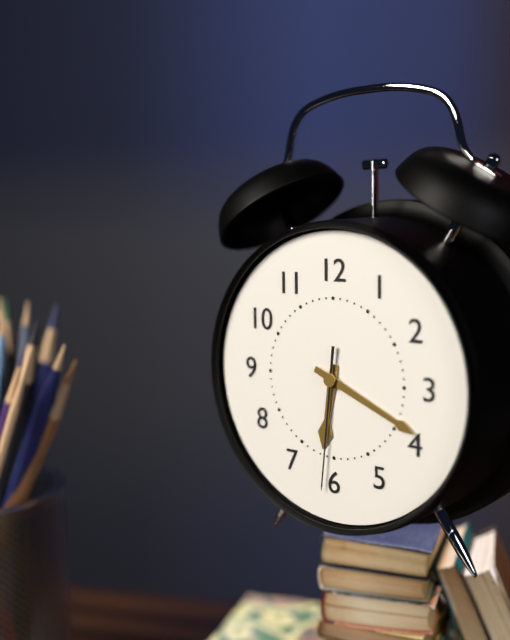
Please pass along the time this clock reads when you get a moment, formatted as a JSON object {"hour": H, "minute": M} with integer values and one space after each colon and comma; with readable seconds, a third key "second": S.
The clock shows {"hour": 6, "minute": 19, "second": 31}
